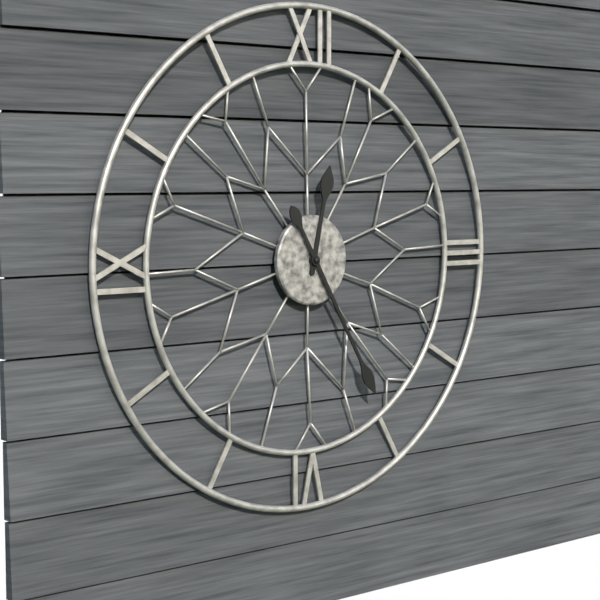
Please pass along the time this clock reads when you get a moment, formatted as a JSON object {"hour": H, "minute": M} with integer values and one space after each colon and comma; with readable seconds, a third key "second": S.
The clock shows {"hour": 12, "minute": 25}
